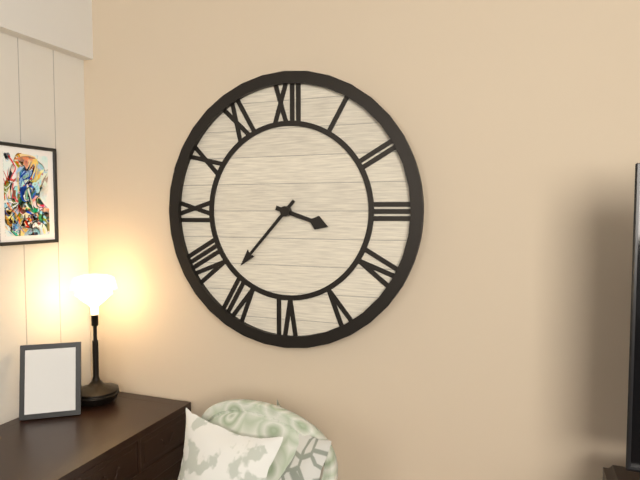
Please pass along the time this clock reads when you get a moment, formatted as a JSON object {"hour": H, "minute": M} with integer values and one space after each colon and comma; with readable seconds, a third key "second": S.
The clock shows {"hour": 3, "minute": 37}
